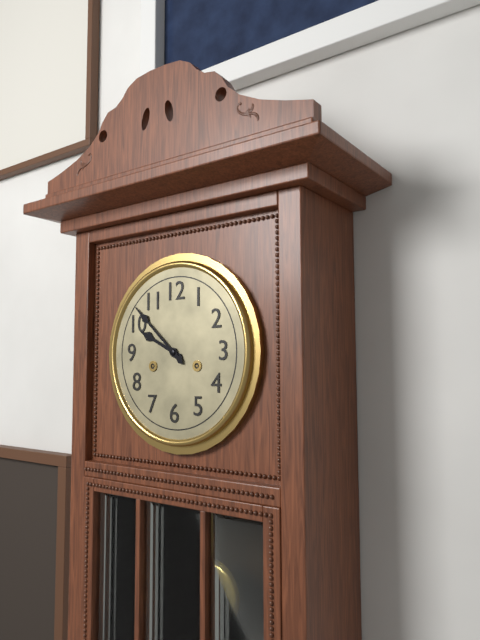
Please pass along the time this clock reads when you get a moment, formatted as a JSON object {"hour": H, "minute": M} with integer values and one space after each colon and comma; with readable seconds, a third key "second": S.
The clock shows {"hour": 9, "minute": 52}
